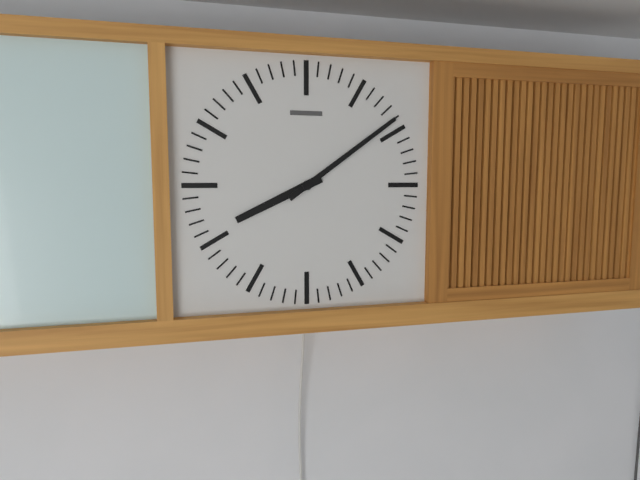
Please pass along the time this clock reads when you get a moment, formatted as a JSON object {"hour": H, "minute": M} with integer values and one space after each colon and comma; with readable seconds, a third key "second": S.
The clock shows {"hour": 8, "minute": 9}
